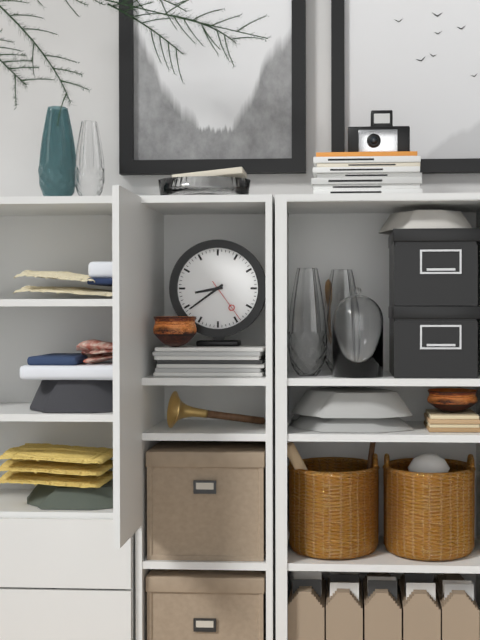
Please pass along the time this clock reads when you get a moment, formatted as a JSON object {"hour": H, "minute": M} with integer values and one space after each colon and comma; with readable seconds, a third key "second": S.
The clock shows {"hour": 8, "minute": 39}
